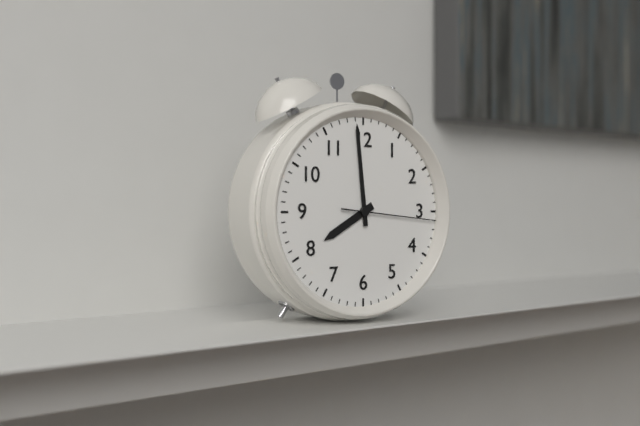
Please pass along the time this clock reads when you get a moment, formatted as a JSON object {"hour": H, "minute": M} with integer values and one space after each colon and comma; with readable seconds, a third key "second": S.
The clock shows {"hour": 7, "minute": 59, "second": 16}
